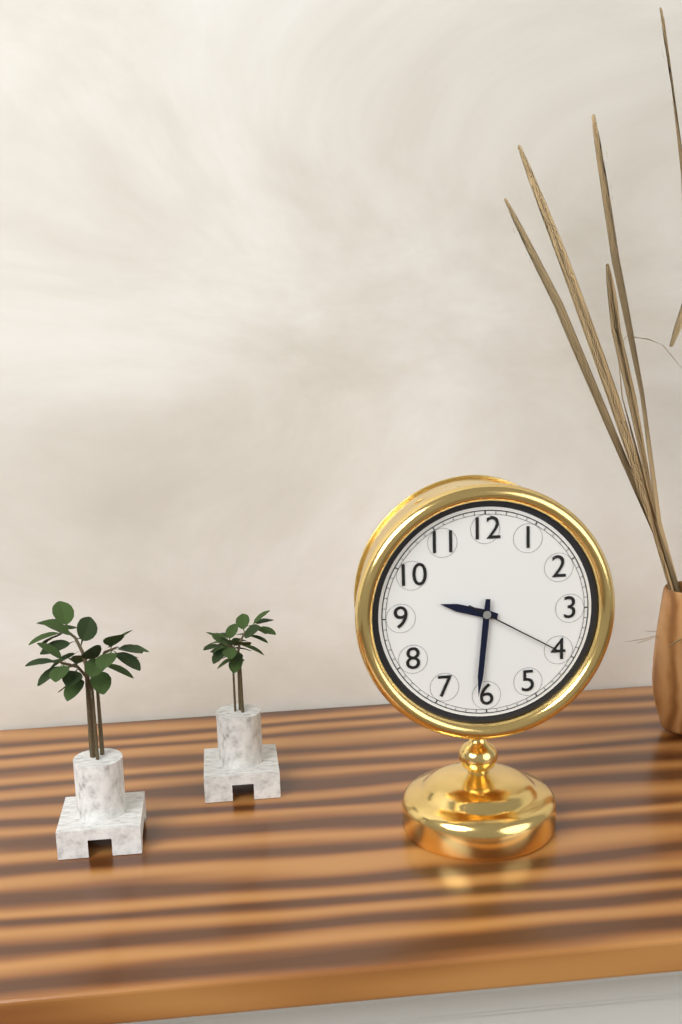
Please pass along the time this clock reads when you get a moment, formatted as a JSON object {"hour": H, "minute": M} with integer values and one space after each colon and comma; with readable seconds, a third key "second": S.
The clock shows {"hour": 9, "minute": 31, "second": 20}
